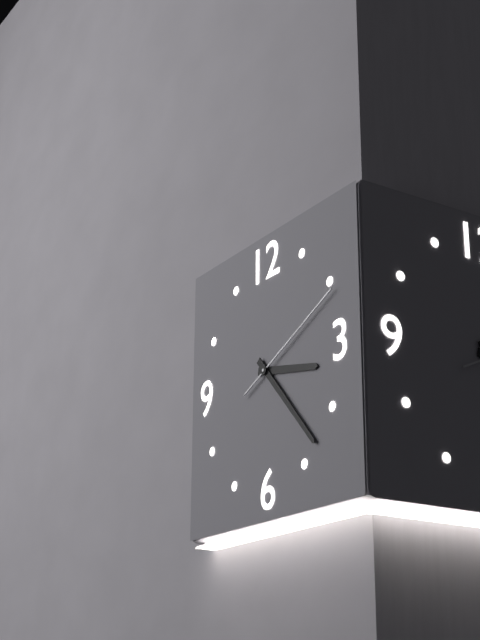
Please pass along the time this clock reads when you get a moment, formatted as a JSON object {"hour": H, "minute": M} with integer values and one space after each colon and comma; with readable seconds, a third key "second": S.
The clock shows {"hour": 3, "minute": 23, "second": 11}
